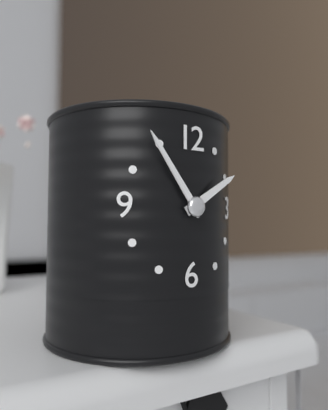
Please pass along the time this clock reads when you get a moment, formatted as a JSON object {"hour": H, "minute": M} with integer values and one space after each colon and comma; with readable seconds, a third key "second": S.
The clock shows {"hour": 1, "minute": 54}
